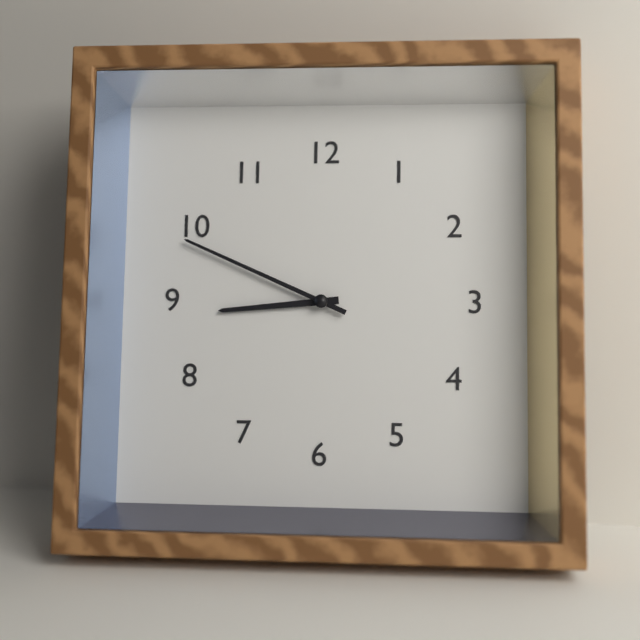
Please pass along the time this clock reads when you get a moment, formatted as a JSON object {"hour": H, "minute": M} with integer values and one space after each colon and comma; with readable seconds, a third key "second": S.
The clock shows {"hour": 8, "minute": 49}
